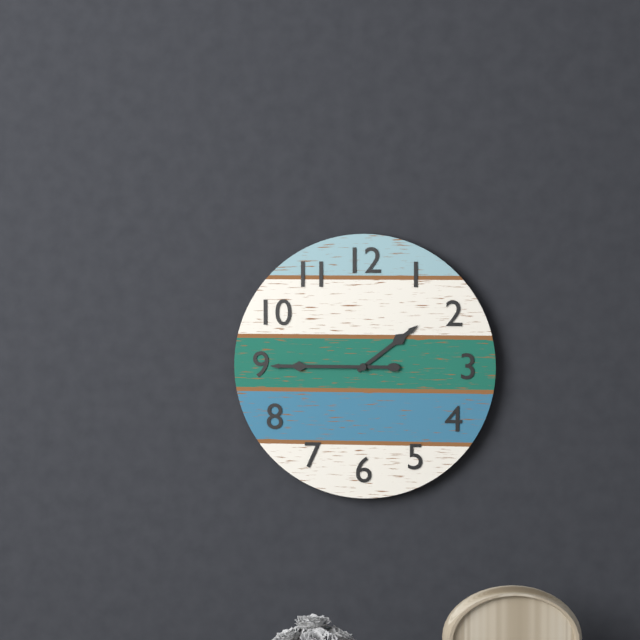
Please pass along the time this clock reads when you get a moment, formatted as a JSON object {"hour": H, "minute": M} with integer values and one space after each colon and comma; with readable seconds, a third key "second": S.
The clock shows {"hour": 1, "minute": 45}
